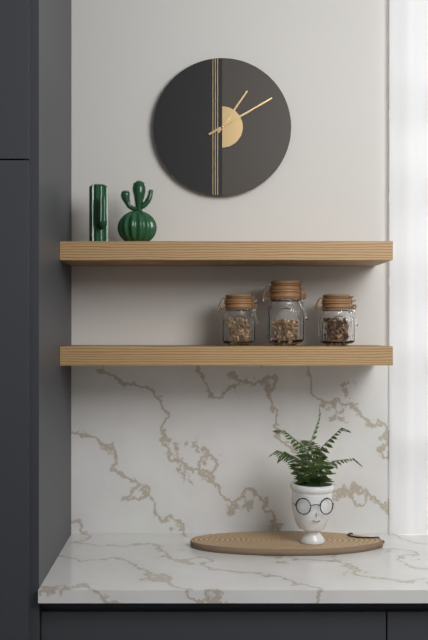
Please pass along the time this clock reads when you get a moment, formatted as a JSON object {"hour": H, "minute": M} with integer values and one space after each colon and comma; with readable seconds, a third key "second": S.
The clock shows {"hour": 1, "minute": 10}
